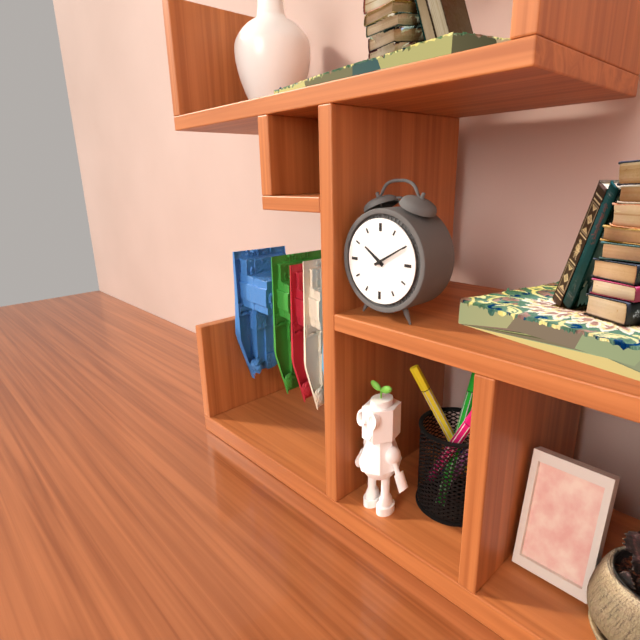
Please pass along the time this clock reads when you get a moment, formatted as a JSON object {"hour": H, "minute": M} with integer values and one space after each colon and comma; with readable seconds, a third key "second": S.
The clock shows {"hour": 10, "minute": 10}
